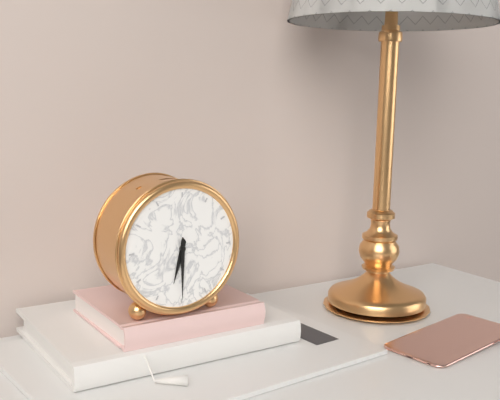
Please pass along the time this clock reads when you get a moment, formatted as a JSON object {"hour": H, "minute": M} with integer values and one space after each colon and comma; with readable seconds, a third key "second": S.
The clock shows {"hour": 6, "minute": 30}
